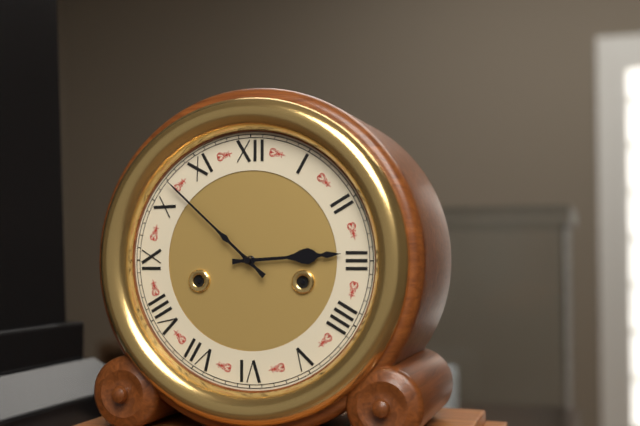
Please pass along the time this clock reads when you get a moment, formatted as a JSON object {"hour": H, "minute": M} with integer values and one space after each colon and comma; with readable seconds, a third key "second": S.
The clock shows {"hour": 2, "minute": 52}
